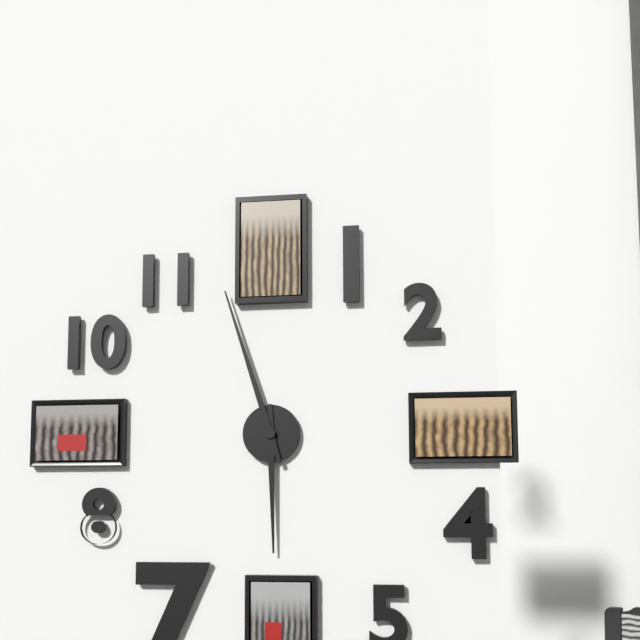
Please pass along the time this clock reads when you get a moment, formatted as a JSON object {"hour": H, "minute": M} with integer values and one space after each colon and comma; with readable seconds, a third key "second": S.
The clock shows {"hour": 5, "minute": 57}
